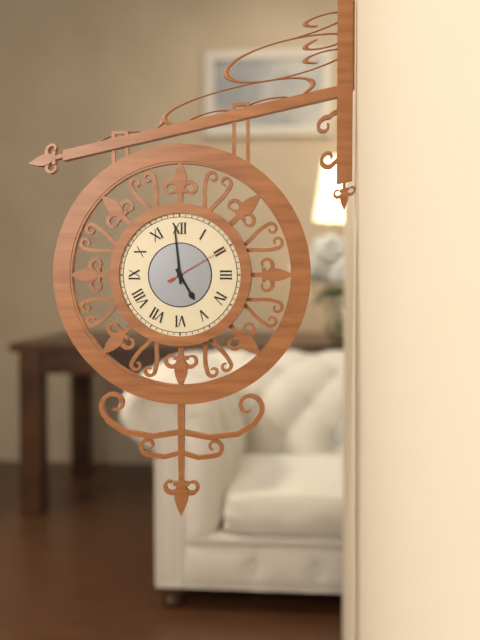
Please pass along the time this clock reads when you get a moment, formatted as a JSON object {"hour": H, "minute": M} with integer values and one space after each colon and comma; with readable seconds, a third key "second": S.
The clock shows {"hour": 4, "minute": 59, "second": 10}
